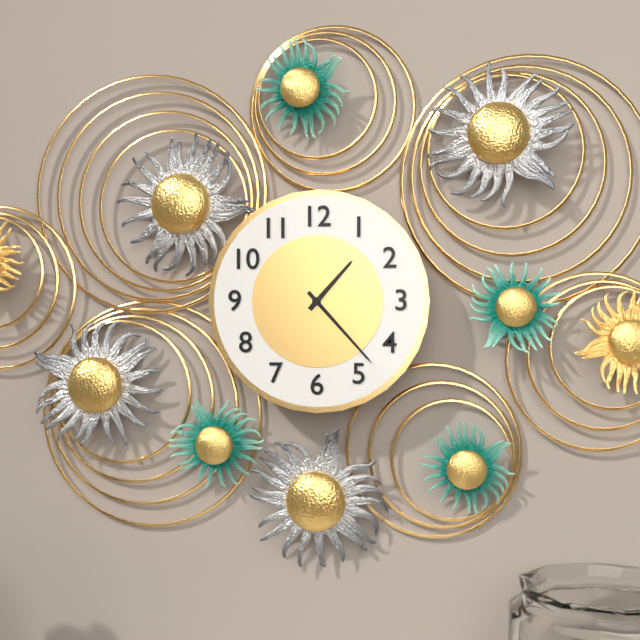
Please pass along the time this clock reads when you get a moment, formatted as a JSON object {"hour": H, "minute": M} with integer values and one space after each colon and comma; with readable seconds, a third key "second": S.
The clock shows {"hour": 1, "minute": 23}
